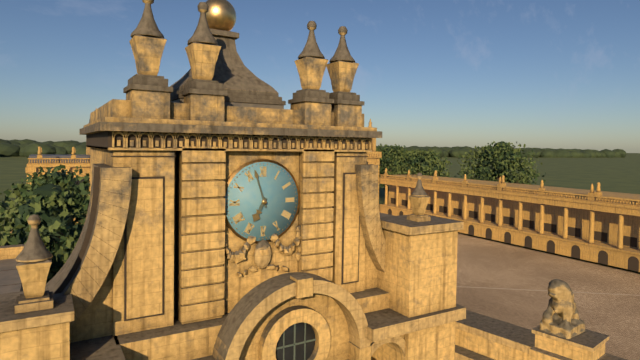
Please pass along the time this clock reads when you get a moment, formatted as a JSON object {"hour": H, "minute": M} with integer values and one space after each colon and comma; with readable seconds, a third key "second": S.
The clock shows {"hour": 6, "minute": 57}
